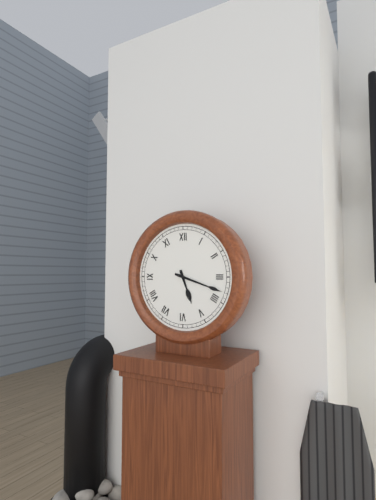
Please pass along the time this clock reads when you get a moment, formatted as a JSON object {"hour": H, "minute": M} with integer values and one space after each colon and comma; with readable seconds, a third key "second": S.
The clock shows {"hour": 5, "minute": 18}
